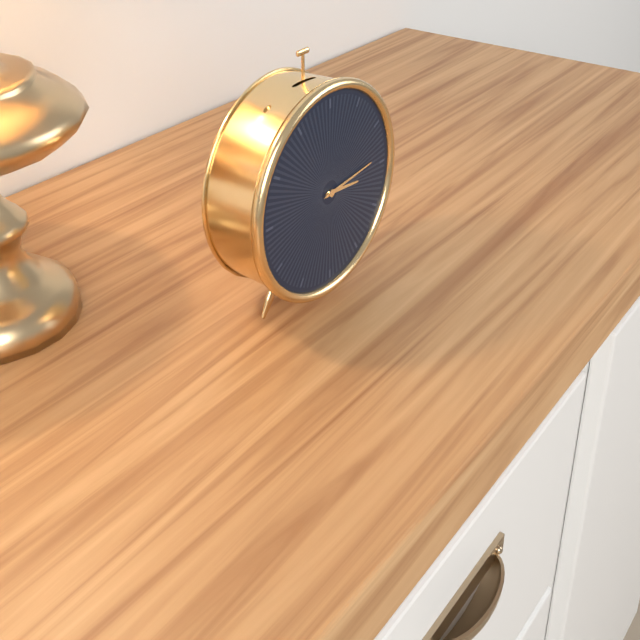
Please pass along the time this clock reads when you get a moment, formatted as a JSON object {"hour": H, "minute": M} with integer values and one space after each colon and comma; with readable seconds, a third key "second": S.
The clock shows {"hour": 3, "minute": 14}
